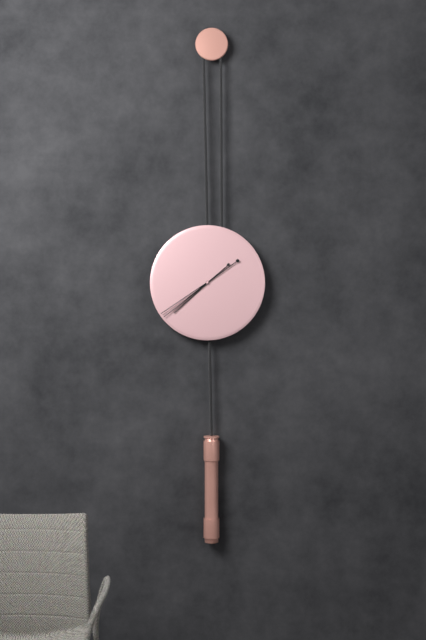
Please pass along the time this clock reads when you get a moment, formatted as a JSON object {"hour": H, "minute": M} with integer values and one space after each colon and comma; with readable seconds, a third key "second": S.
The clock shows {"hour": 7, "minute": 39}
